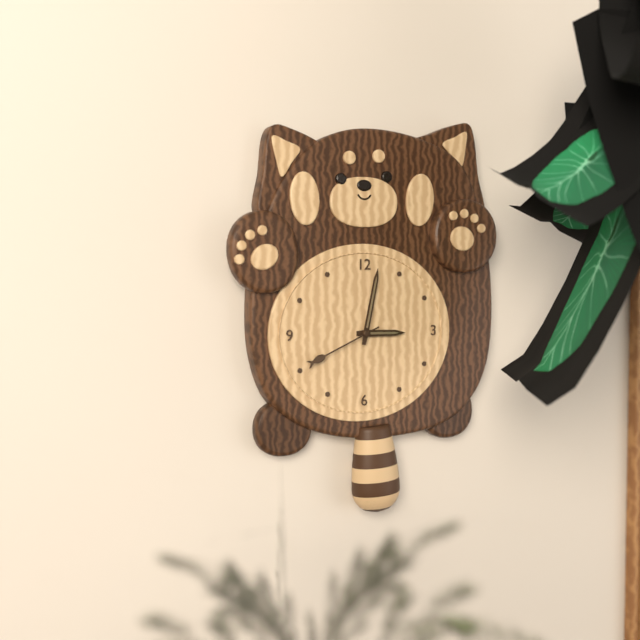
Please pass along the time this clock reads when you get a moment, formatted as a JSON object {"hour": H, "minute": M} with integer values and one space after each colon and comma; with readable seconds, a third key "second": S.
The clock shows {"hour": 3, "minute": 2, "second": 41}
